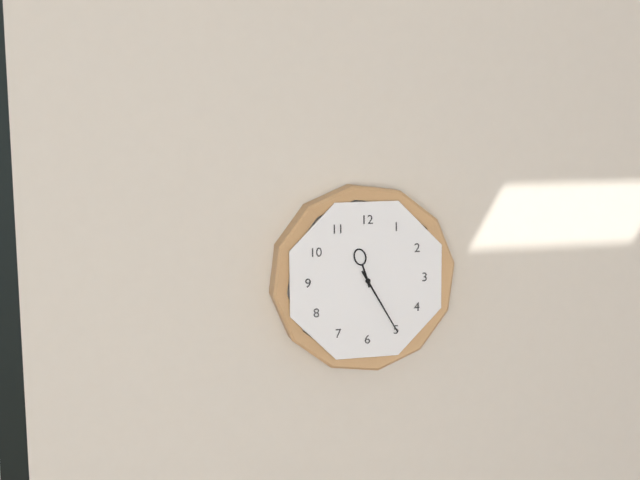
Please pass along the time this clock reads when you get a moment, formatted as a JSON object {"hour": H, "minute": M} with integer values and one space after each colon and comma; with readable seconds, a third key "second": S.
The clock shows {"hour": 11, "minute": 25}
